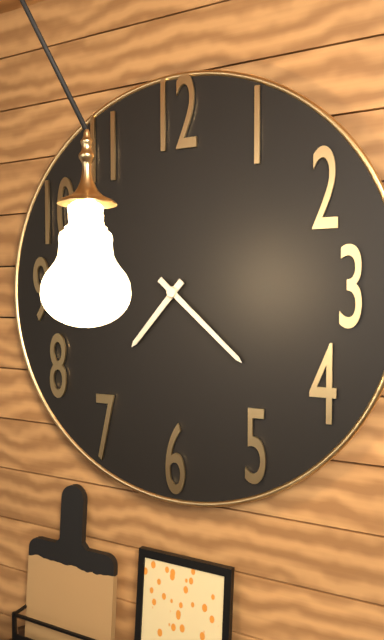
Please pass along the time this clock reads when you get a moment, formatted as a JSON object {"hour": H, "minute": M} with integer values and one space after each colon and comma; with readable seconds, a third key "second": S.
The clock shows {"hour": 7, "minute": 22}
